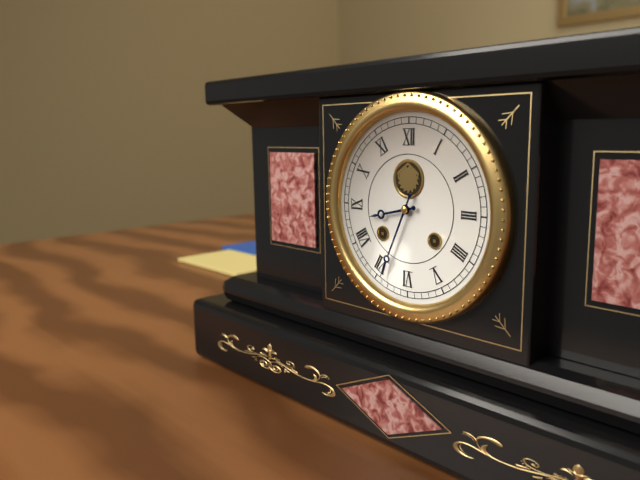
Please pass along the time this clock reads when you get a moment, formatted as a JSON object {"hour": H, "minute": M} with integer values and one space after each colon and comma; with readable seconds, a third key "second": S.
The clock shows {"hour": 8, "minute": 34}
